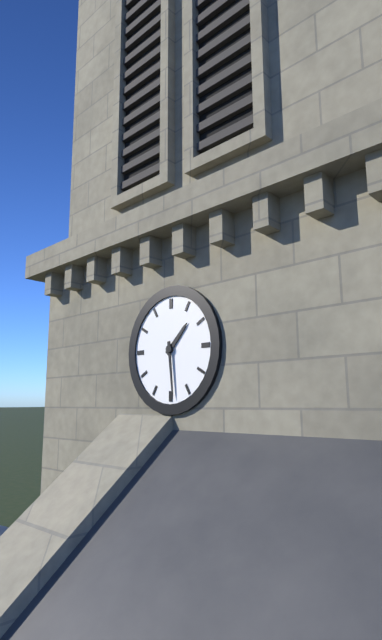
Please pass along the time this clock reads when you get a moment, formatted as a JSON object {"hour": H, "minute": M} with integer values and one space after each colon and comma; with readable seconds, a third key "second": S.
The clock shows {"hour": 1, "minute": 29}
